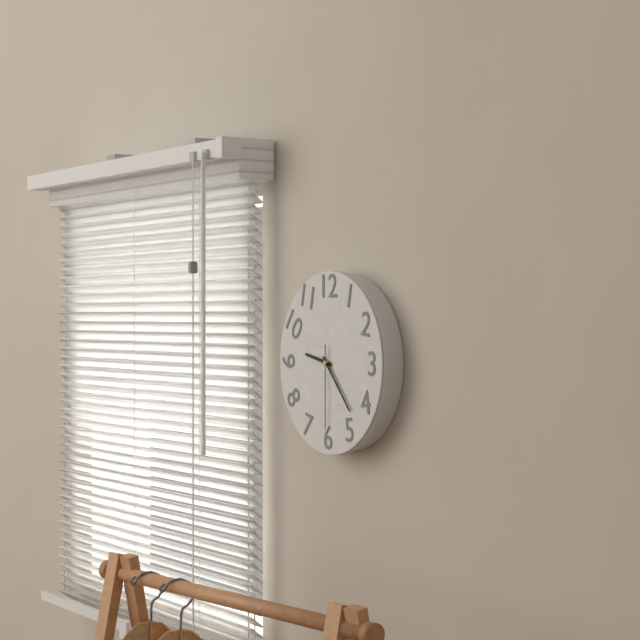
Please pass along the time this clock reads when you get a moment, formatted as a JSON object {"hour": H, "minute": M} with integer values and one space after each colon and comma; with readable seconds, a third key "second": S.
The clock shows {"hour": 9, "minute": 23, "second": 30}
